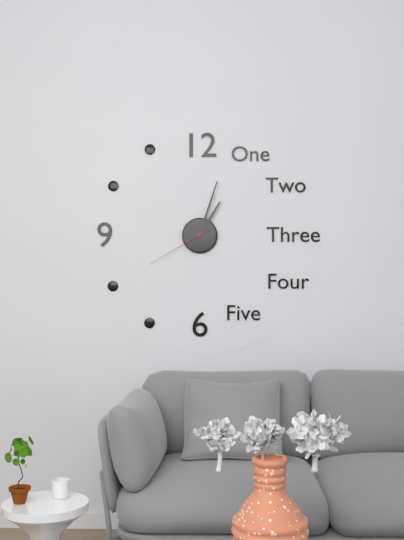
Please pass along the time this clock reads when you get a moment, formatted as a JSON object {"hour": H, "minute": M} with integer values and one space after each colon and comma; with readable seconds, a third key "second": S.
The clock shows {"hour": 1, "minute": 3, "second": 40}
